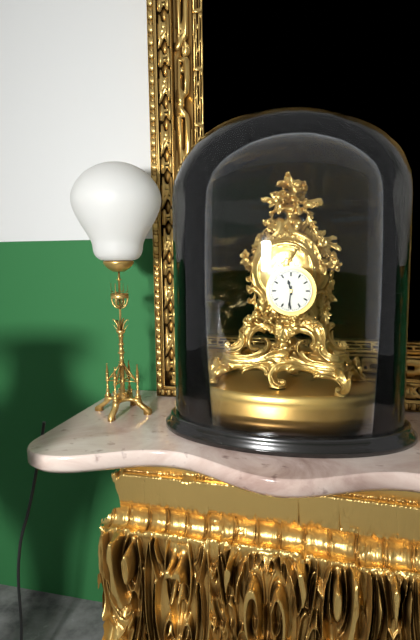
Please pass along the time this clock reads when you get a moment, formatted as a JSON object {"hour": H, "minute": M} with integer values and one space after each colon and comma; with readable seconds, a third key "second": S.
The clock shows {"hour": 11, "minute": 31}
